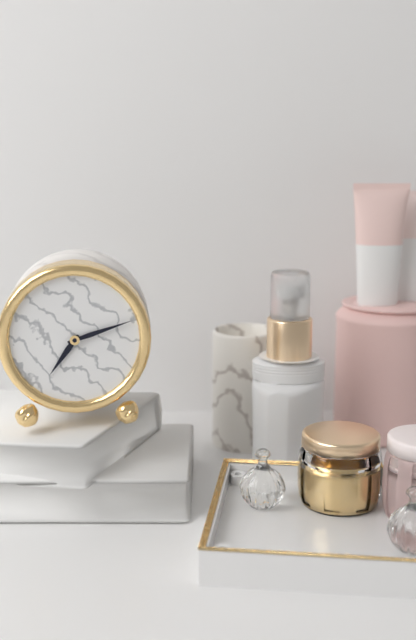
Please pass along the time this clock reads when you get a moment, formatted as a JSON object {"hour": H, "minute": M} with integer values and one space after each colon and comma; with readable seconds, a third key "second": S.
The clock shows {"hour": 7, "minute": 12}
